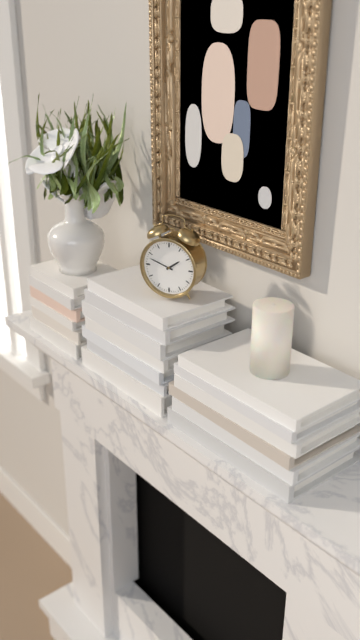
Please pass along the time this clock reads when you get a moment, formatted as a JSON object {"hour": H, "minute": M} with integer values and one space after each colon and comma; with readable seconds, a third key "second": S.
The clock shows {"hour": 1, "minute": 48}
